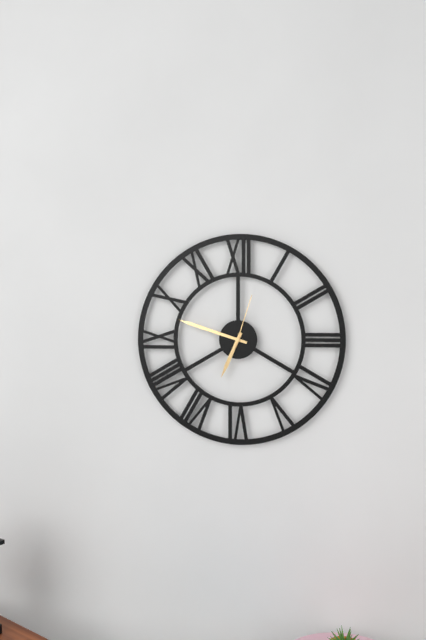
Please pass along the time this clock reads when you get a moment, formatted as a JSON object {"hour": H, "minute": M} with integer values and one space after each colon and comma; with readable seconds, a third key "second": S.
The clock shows {"hour": 6, "minute": 48, "second": 3}
